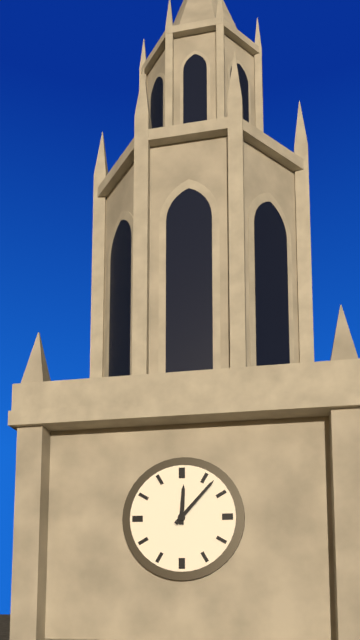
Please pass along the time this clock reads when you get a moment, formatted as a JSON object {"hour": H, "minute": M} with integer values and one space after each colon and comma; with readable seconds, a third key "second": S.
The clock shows {"hour": 12, "minute": 7}
